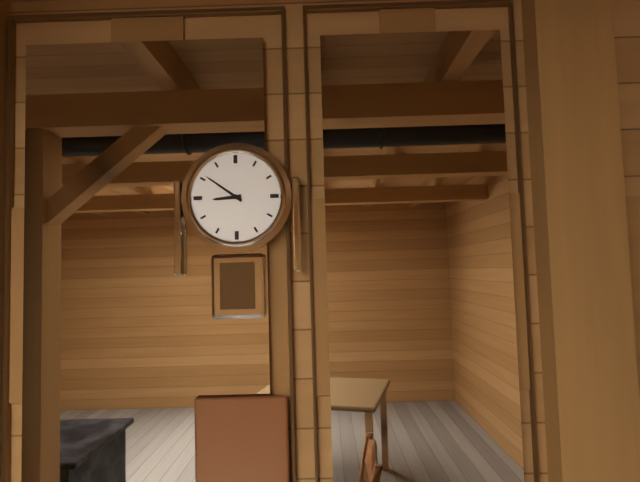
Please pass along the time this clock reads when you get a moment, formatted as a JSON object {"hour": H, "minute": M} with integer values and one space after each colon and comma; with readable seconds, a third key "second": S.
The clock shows {"hour": 8, "minute": 51}
